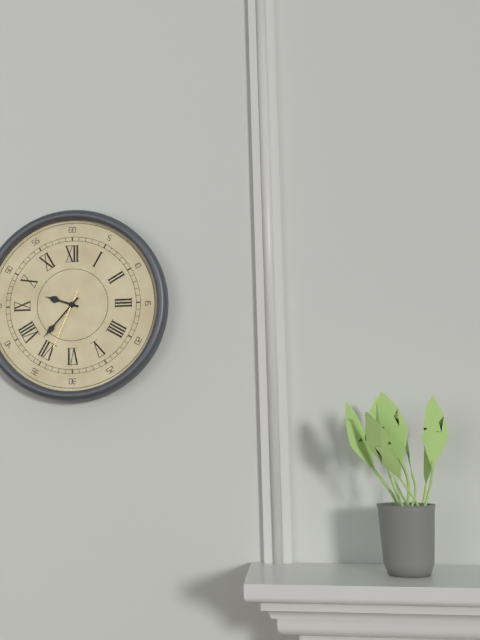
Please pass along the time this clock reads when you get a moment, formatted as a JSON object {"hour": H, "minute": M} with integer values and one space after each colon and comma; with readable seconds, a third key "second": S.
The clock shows {"hour": 9, "minute": 37, "second": 34}
